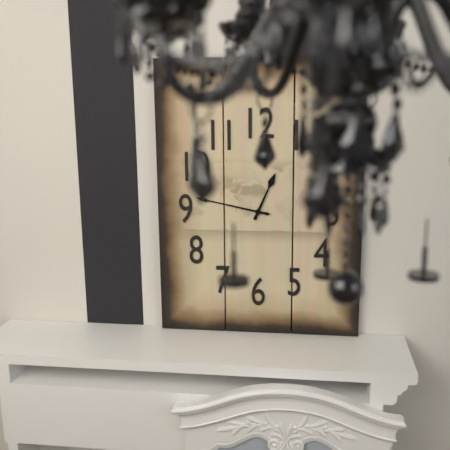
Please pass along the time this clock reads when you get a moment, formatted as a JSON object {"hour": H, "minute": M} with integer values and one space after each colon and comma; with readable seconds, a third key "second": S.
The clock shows {"hour": 12, "minute": 47}
